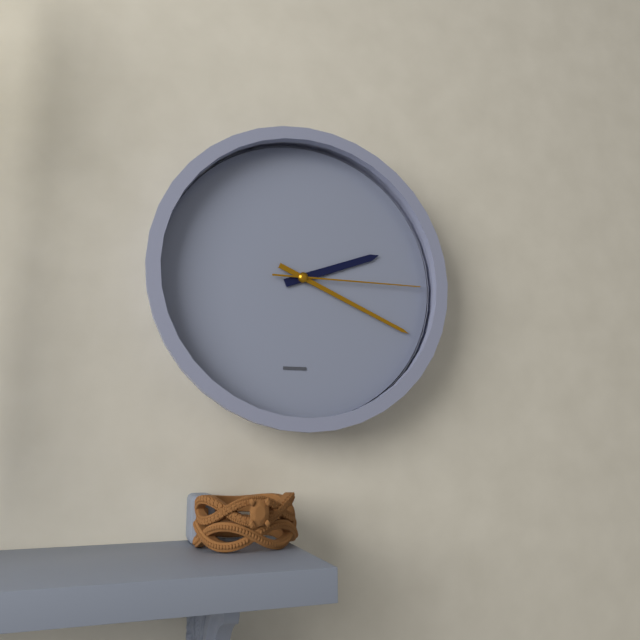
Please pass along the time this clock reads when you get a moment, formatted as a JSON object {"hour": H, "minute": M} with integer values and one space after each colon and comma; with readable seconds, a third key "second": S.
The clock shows {"hour": 2, "minute": 19, "second": 15}
